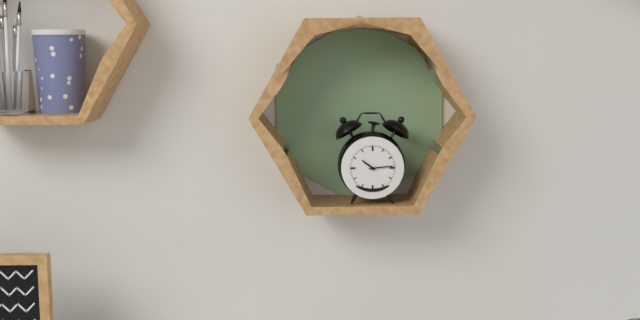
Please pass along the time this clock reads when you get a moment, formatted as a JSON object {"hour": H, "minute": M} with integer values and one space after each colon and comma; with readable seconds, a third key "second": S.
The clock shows {"hour": 10, "minute": 14}
